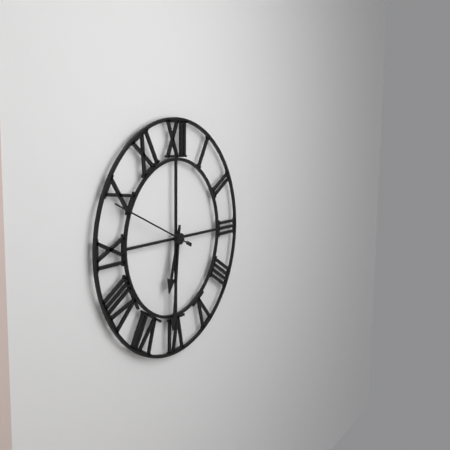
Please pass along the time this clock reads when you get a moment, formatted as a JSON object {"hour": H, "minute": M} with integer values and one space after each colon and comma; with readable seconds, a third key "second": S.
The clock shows {"hour": 6, "minute": 31, "second": 49}
